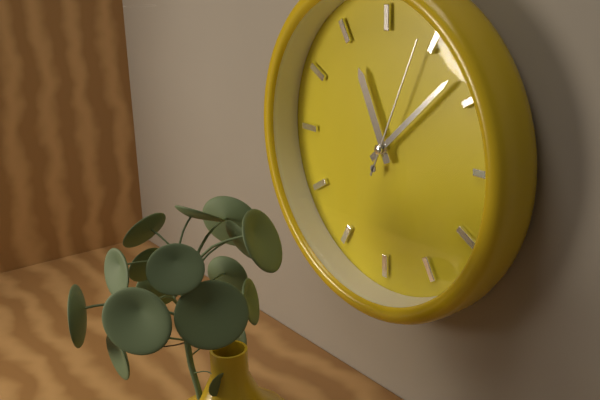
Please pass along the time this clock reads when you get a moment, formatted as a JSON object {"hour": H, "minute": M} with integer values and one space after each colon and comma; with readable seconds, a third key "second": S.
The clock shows {"hour": 11, "minute": 8, "second": 4}
